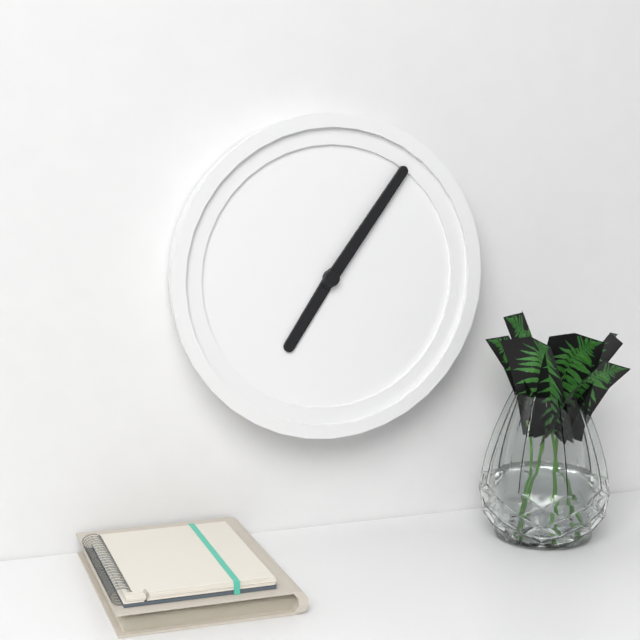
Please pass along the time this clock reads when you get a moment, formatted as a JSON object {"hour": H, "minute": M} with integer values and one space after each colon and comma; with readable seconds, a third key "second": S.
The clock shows {"hour": 7, "minute": 6}
